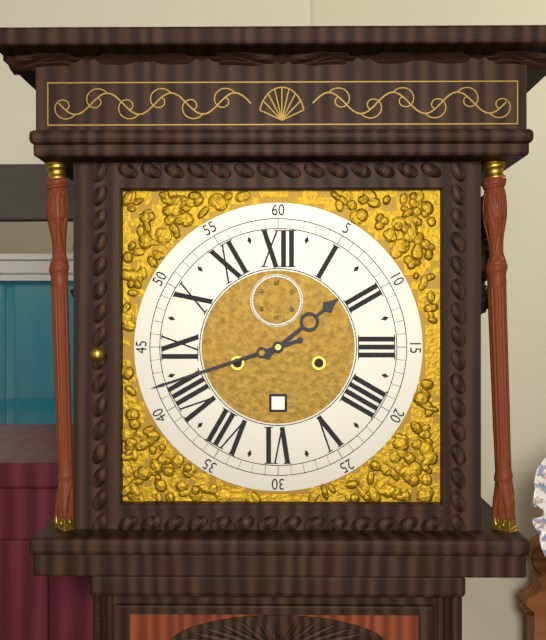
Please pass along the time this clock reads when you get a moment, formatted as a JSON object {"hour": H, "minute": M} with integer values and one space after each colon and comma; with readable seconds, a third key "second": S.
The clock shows {"hour": 1, "minute": 42}
